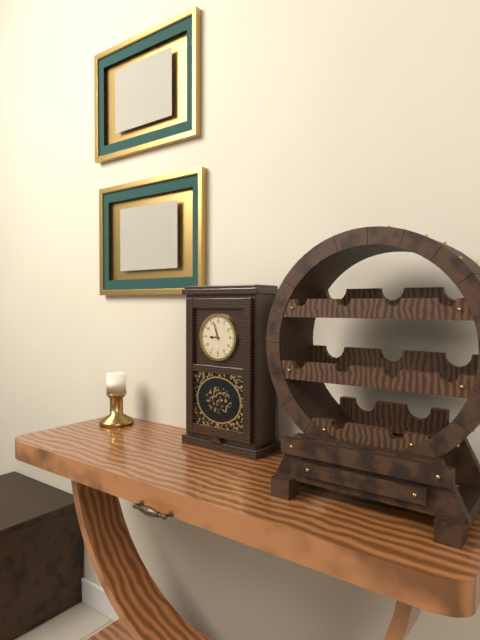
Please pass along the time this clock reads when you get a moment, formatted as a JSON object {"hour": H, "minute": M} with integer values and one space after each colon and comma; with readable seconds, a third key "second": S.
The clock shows {"hour": 8, "minute": 57}
